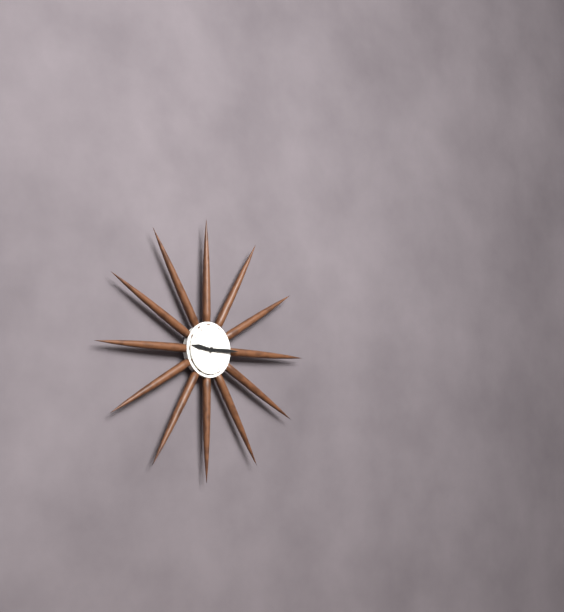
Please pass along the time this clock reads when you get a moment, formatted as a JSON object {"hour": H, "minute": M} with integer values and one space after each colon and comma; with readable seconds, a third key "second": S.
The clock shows {"hour": 9, "minute": 15}
